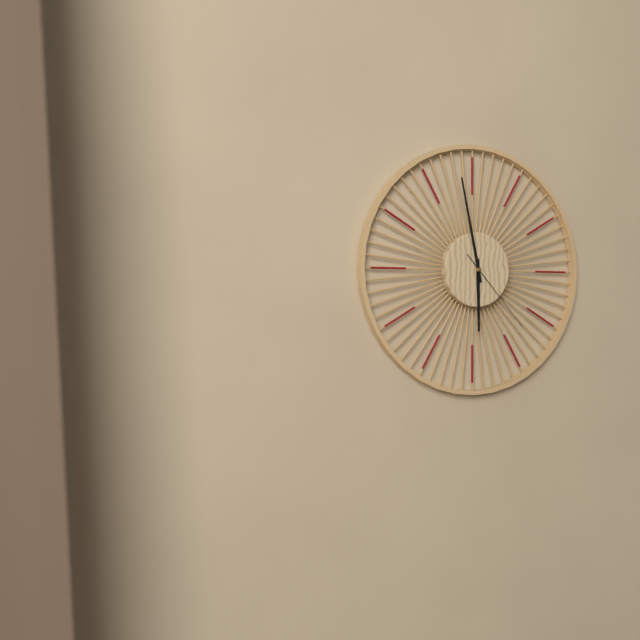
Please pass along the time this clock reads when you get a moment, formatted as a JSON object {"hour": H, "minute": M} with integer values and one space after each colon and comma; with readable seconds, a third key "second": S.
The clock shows {"hour": 5, "minute": 58, "second": 23}
